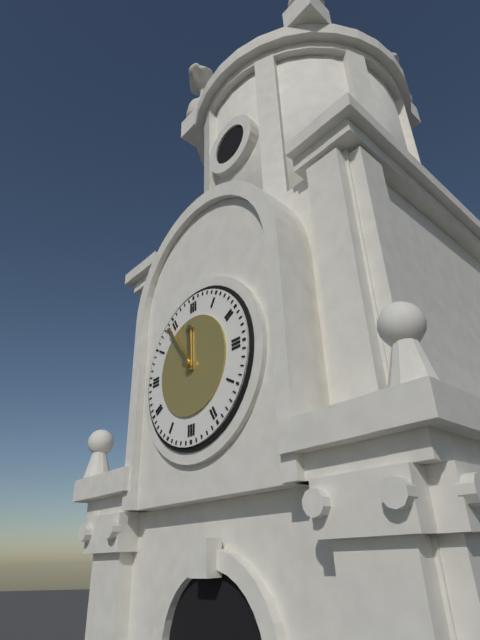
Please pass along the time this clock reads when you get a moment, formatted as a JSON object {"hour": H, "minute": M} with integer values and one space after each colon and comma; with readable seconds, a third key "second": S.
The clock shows {"hour": 11, "minute": 54}
